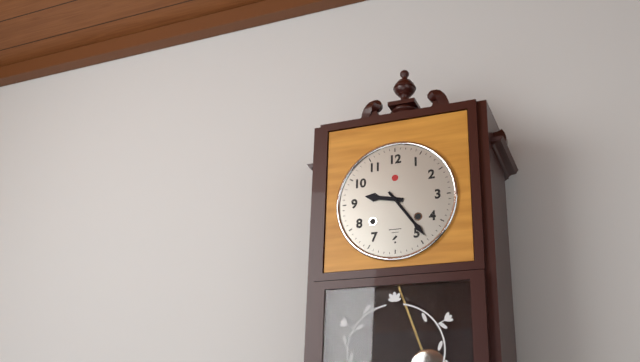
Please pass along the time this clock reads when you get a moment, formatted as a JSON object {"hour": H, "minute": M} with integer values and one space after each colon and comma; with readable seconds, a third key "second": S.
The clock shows {"hour": 9, "minute": 24}
